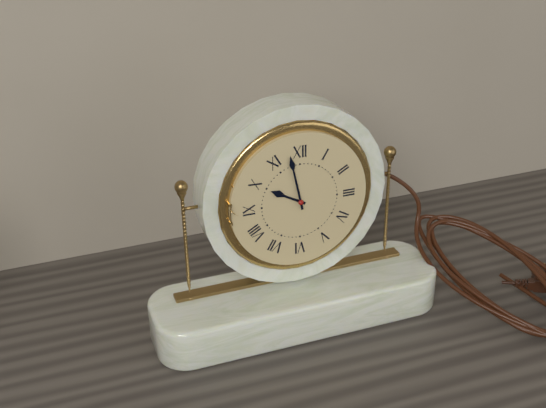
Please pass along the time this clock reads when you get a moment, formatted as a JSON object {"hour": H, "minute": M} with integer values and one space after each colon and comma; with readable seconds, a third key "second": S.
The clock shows {"hour": 9, "minute": 58}
